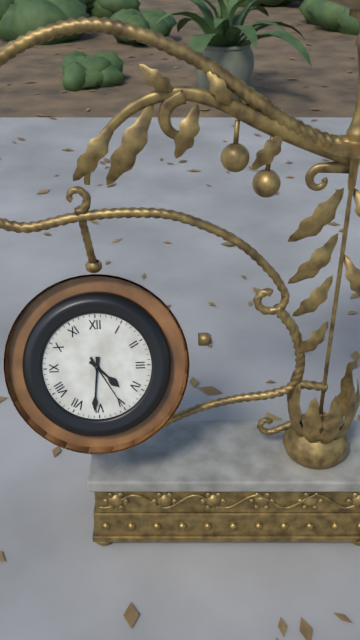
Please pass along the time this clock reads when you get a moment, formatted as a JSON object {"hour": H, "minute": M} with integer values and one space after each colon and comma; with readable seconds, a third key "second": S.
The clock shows {"hour": 4, "minute": 31, "second": 25}
